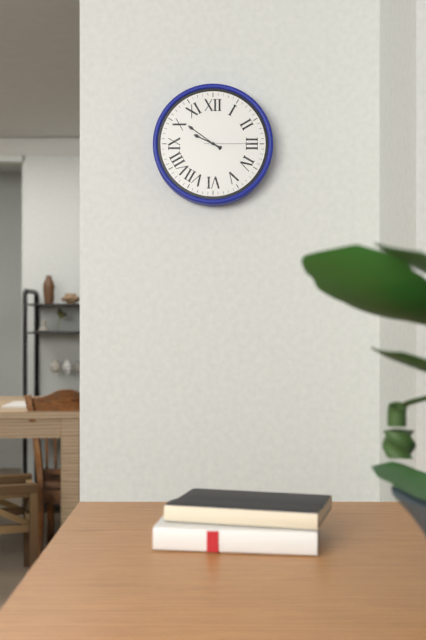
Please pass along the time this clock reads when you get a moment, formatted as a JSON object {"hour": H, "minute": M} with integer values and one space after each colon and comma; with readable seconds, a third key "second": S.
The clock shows {"hour": 9, "minute": 51}
